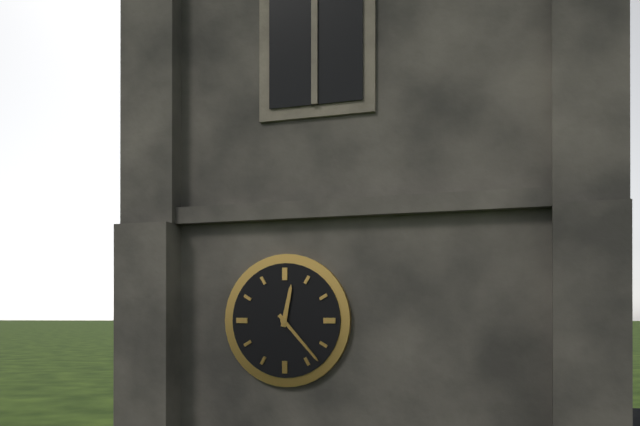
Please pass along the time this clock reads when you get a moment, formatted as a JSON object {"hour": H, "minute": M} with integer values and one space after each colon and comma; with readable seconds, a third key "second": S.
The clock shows {"hour": 12, "minute": 23}
